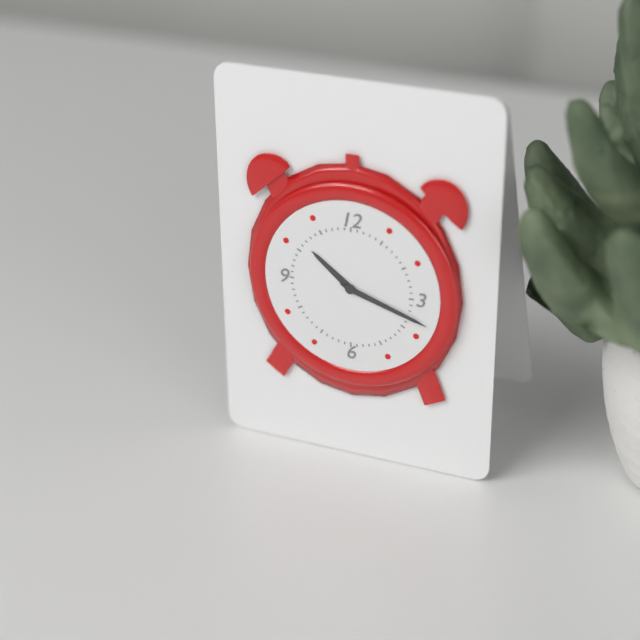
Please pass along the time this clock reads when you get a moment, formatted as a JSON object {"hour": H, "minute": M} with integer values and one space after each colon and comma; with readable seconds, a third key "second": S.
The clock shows {"hour": 10, "minute": 18}
